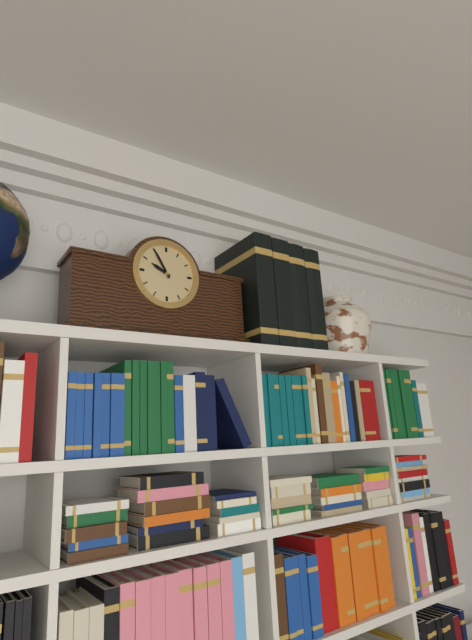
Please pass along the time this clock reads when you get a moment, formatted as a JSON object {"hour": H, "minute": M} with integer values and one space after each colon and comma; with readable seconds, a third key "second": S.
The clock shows {"hour": 9, "minute": 55}
